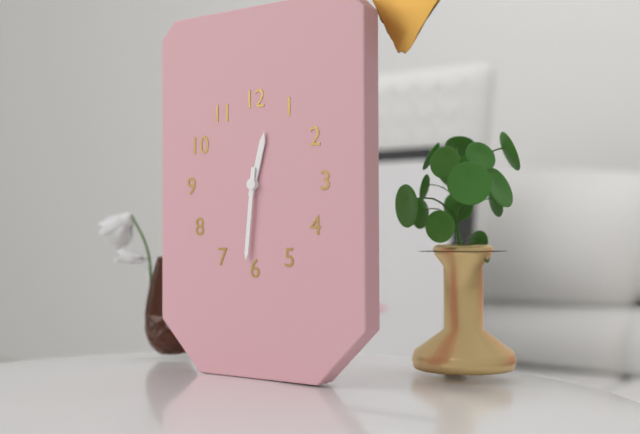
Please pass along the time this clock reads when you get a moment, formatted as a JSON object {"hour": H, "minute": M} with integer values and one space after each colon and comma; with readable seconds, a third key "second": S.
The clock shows {"hour": 12, "minute": 31}
